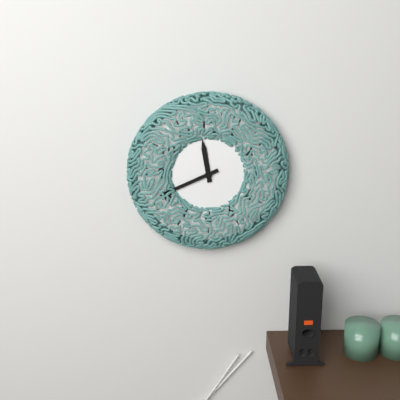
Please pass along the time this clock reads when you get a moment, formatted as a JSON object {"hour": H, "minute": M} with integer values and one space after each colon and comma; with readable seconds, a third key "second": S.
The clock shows {"hour": 11, "minute": 41}
